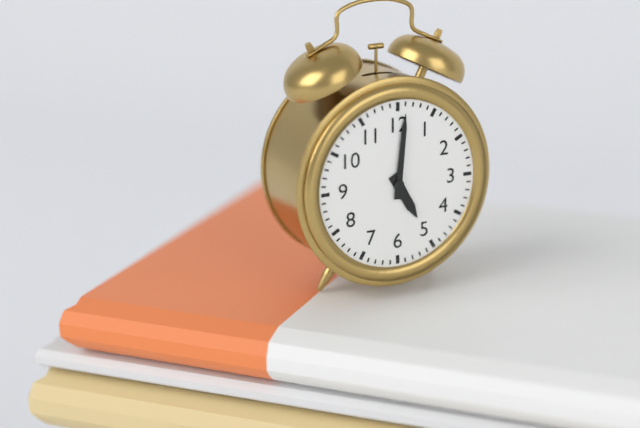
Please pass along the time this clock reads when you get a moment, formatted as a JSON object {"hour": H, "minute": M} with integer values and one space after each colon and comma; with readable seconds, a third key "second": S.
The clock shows {"hour": 5, "minute": 1}
